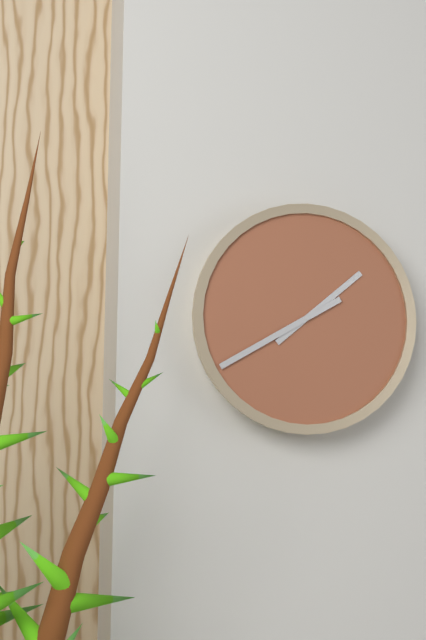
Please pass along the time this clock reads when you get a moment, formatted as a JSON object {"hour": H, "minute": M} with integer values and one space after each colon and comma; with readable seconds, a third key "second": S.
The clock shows {"hour": 1, "minute": 40}
